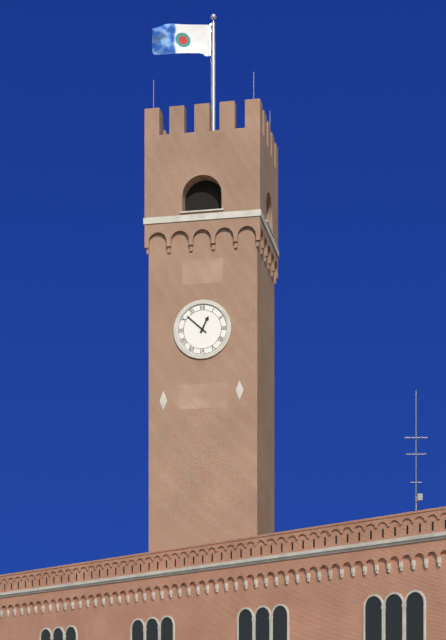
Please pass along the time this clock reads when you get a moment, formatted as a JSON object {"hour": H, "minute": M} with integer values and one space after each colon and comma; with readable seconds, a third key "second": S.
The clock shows {"hour": 12, "minute": 52}
